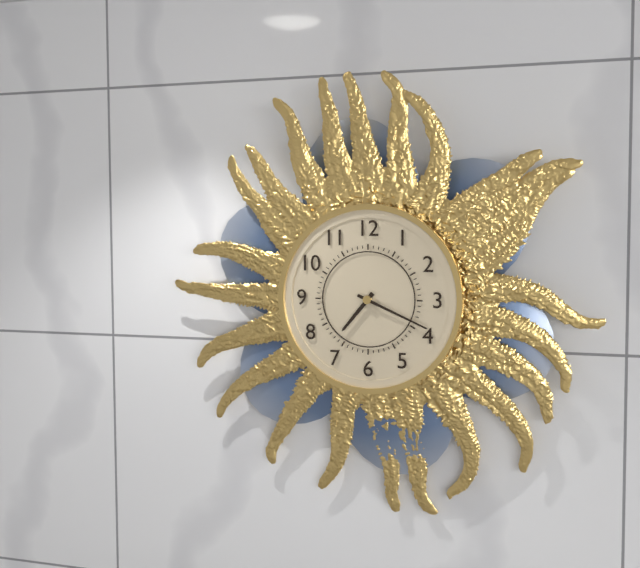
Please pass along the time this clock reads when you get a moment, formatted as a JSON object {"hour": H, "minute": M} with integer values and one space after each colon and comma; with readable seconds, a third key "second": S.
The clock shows {"hour": 7, "minute": 19}
